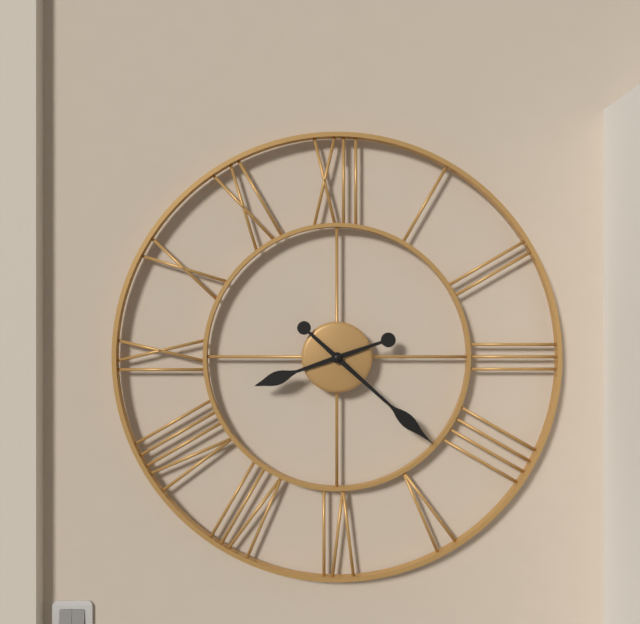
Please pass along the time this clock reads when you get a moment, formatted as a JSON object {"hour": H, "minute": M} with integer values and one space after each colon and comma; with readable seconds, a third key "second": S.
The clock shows {"hour": 8, "minute": 22}
